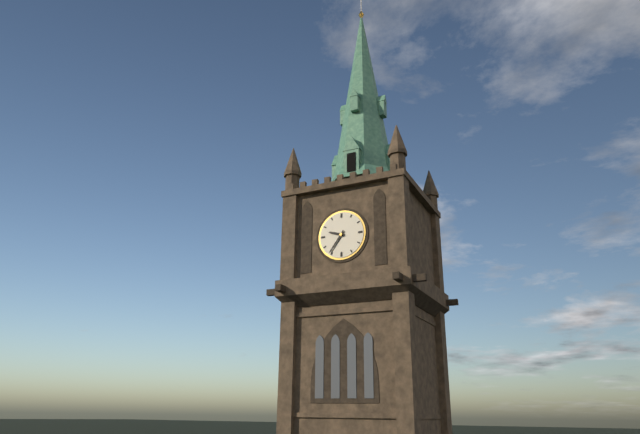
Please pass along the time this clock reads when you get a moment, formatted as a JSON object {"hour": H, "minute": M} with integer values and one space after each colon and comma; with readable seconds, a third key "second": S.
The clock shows {"hour": 9, "minute": 36}
